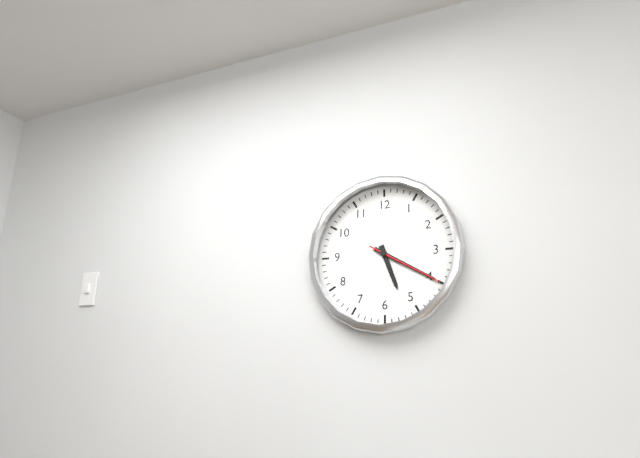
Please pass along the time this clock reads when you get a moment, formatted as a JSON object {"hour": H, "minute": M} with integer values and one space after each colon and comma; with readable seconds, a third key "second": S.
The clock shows {"hour": 5, "minute": 20, "second": 20}
